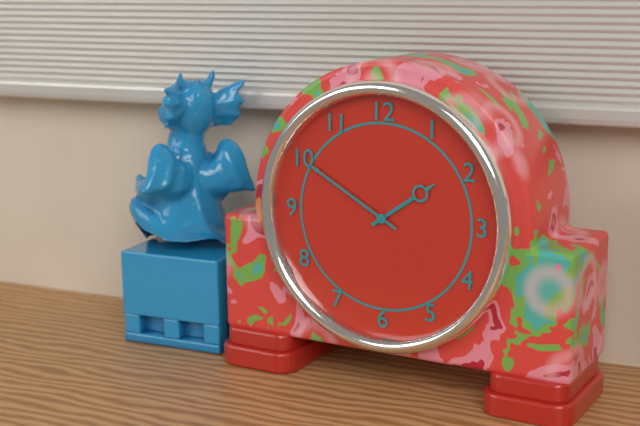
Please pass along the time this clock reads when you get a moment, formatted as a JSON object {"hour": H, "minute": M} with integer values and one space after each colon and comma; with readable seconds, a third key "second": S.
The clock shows {"hour": 1, "minute": 50}
